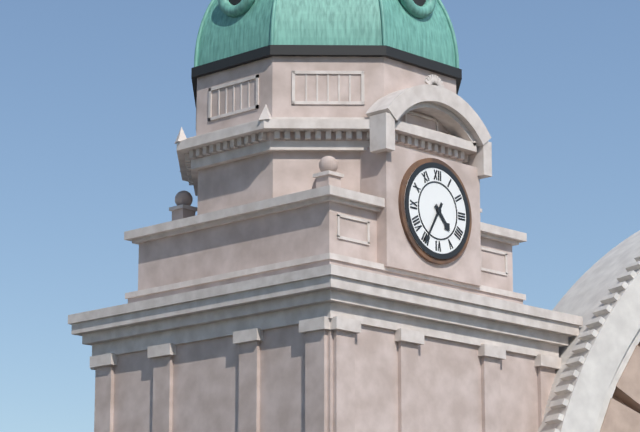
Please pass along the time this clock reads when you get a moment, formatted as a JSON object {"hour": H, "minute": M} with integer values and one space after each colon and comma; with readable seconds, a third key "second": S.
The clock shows {"hour": 4, "minute": 35}
